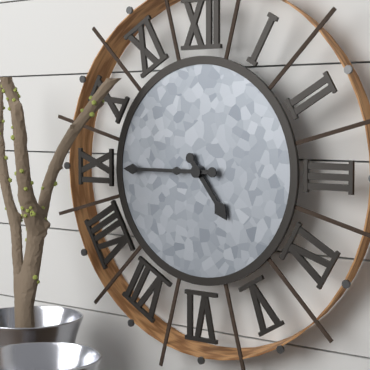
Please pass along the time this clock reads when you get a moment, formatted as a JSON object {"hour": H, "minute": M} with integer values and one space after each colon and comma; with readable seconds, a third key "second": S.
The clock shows {"hour": 4, "minute": 45}
